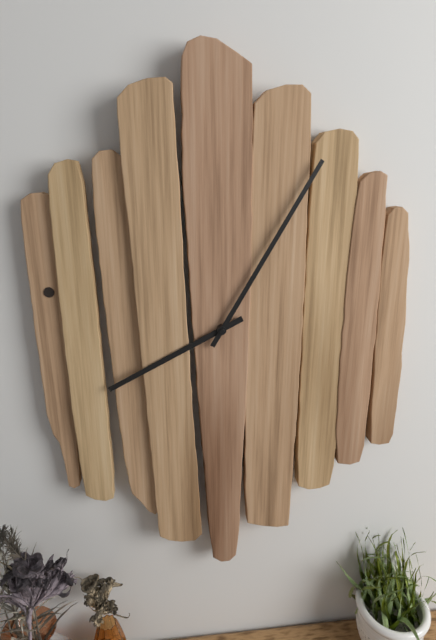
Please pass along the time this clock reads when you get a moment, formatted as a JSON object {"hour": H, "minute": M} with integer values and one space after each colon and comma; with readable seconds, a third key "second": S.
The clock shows {"hour": 8, "minute": 5}
